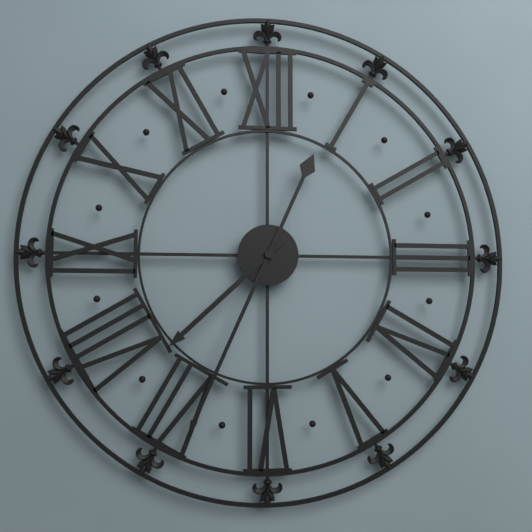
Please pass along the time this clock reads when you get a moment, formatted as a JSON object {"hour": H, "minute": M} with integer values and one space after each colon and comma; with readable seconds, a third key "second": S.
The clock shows {"hour": 7, "minute": 34}
